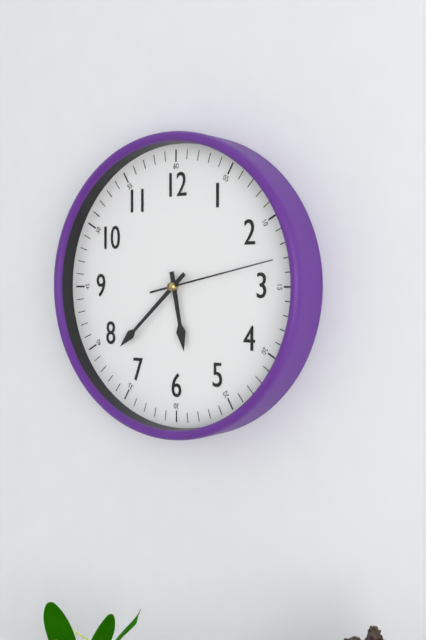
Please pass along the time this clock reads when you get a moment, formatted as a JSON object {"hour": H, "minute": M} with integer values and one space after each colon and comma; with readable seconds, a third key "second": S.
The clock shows {"hour": 5, "minute": 38, "second": 13}
